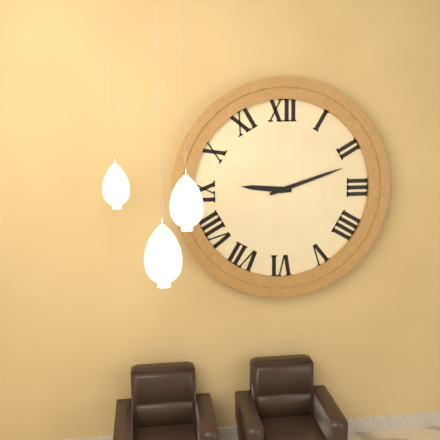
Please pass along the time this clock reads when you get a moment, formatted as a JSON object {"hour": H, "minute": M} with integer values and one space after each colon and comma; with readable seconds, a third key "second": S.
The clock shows {"hour": 9, "minute": 12}
